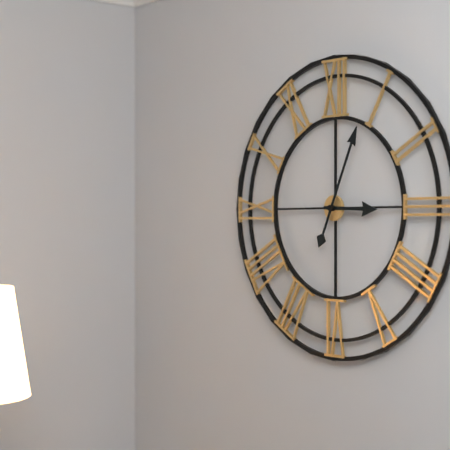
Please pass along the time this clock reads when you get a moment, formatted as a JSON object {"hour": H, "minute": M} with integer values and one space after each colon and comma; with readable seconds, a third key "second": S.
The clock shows {"hour": 3, "minute": 4}
